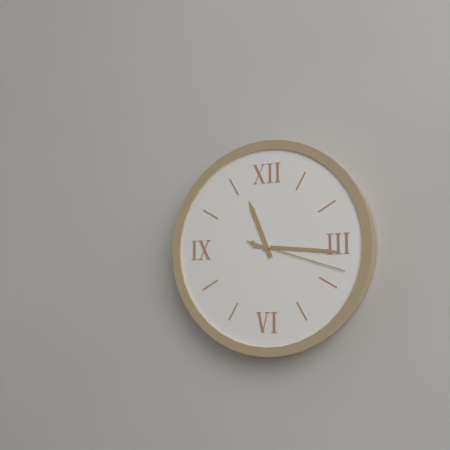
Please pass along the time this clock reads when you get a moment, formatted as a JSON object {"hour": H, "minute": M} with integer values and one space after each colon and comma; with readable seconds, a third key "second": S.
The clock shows {"hour": 11, "minute": 16, "second": 18}
